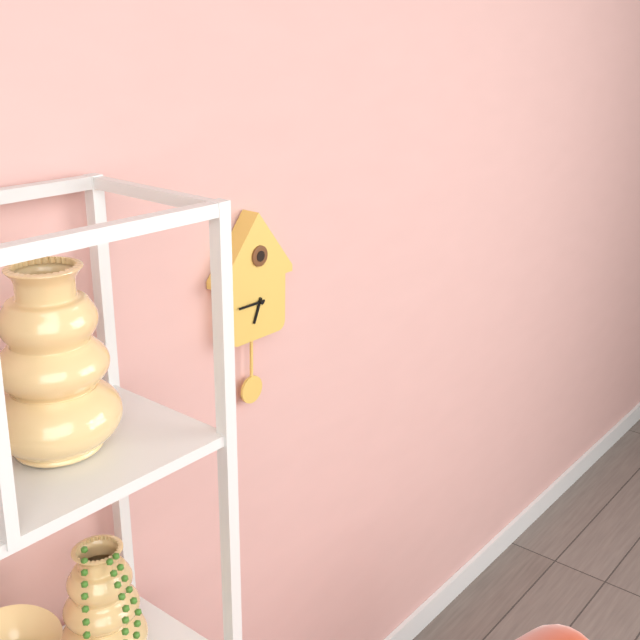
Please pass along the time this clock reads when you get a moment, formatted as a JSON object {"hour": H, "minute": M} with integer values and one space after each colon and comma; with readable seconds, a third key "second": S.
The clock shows {"hour": 6, "minute": 45}
